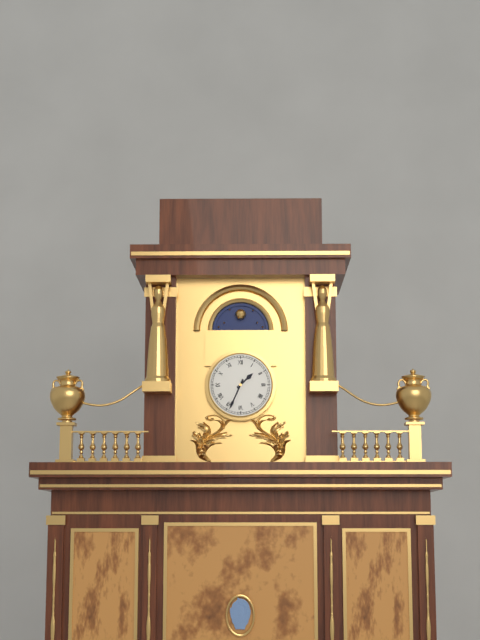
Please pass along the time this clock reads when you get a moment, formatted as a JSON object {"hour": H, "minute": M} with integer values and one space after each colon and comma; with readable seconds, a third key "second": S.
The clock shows {"hour": 1, "minute": 34}
